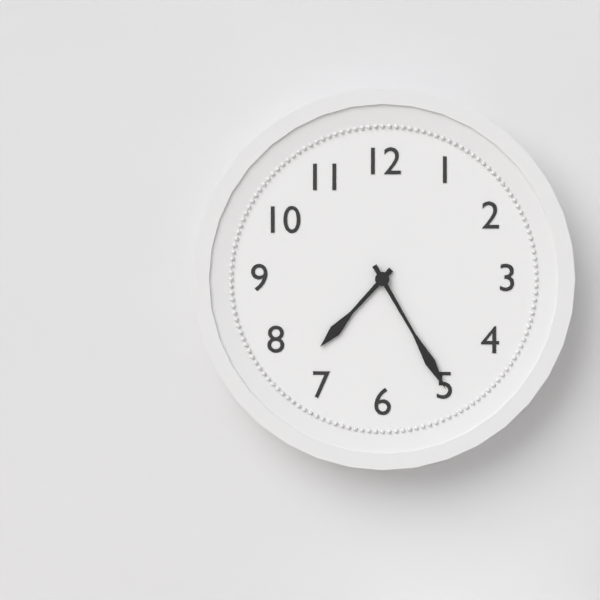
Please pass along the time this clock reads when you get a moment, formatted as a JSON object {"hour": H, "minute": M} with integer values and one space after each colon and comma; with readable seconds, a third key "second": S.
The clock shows {"hour": 7, "minute": 25}
